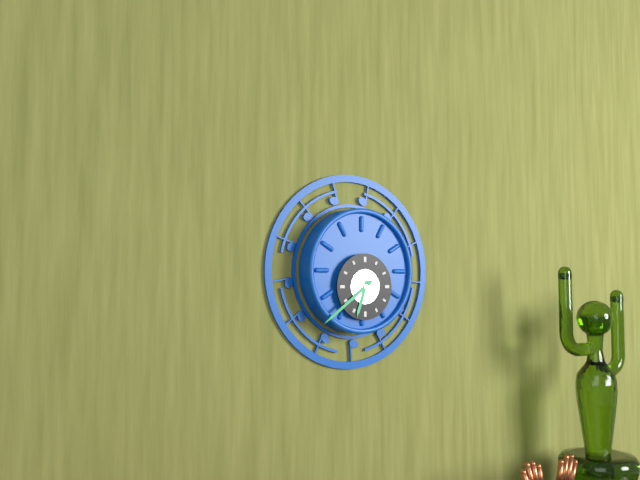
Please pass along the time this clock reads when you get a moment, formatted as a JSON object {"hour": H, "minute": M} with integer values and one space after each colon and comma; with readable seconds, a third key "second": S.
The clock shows {"hour": 6, "minute": 39}
